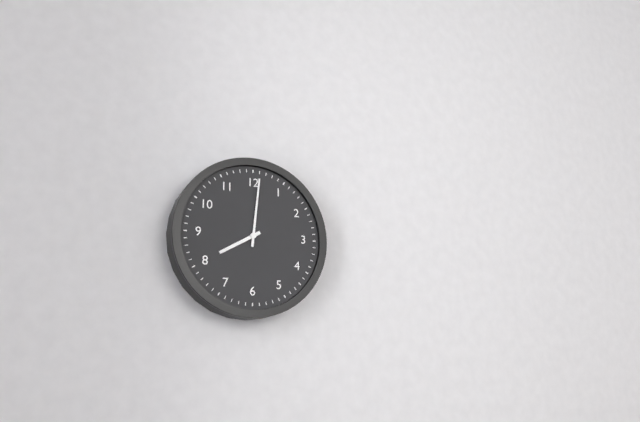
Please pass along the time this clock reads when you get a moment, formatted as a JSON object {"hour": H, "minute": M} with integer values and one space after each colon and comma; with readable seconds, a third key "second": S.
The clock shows {"hour": 8, "minute": 1}
